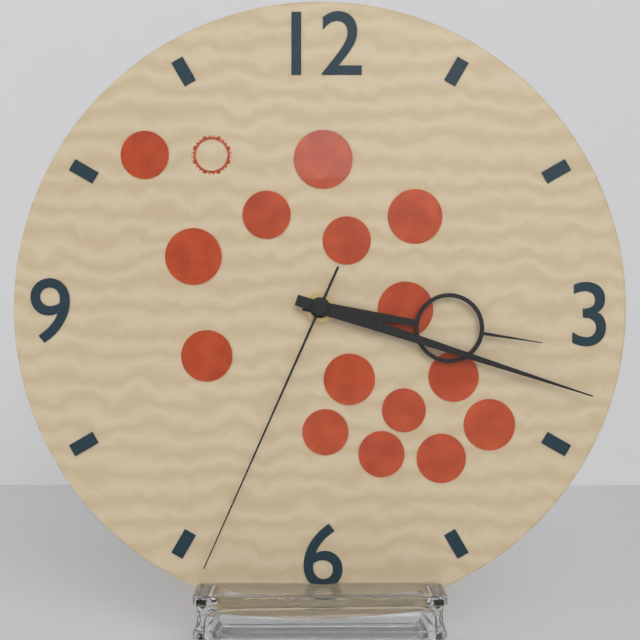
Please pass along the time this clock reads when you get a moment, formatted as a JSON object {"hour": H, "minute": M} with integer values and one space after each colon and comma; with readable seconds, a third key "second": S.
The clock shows {"hour": 3, "minute": 18, "second": 34}
